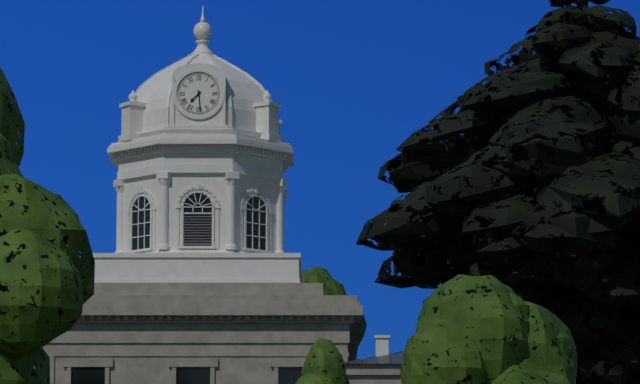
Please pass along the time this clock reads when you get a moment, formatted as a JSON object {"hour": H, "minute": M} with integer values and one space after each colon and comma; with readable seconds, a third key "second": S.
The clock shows {"hour": 7, "minute": 29}
